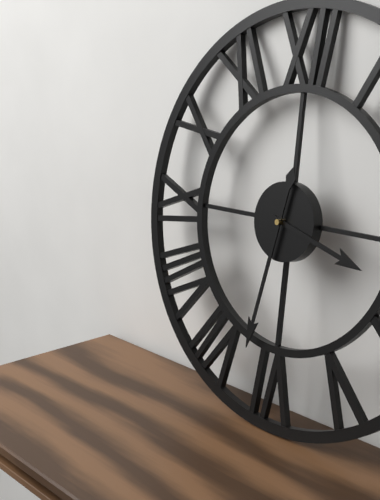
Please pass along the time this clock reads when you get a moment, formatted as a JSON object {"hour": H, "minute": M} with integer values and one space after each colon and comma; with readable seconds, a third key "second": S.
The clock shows {"hour": 3, "minute": 32}
